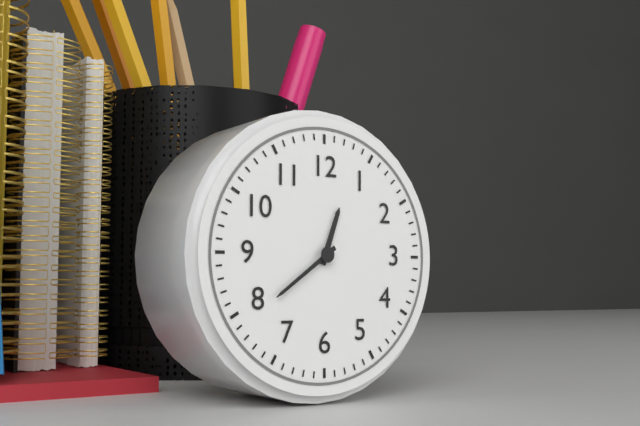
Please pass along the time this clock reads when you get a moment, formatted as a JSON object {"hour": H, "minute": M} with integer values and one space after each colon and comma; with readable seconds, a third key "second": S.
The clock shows {"hour": 12, "minute": 39}
